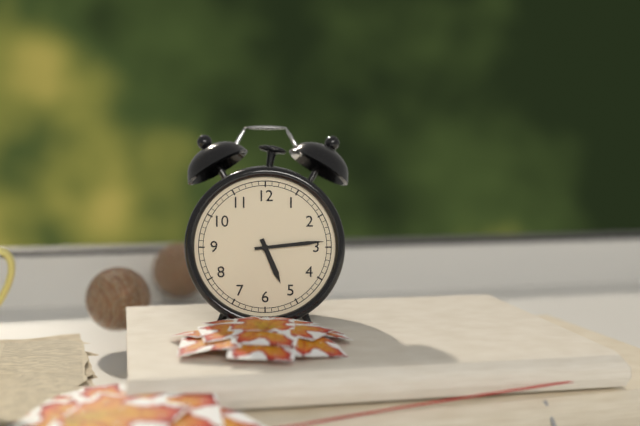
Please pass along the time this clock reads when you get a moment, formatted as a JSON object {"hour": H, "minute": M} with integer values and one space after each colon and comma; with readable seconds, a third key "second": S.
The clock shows {"hour": 5, "minute": 14}
